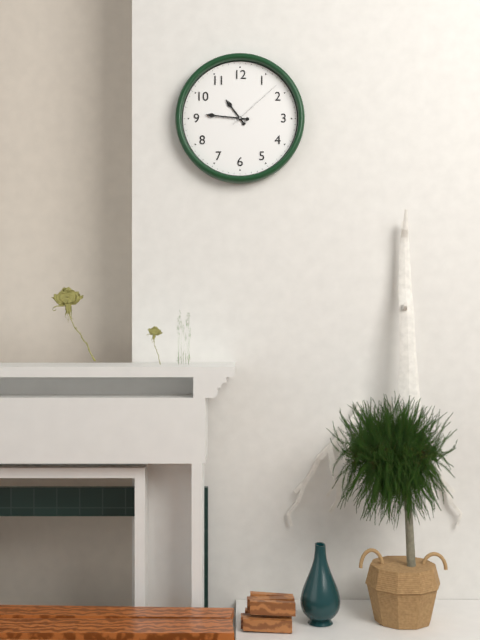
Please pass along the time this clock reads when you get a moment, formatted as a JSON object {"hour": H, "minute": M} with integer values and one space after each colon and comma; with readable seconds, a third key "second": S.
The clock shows {"hour": 10, "minute": 46, "second": 8}
